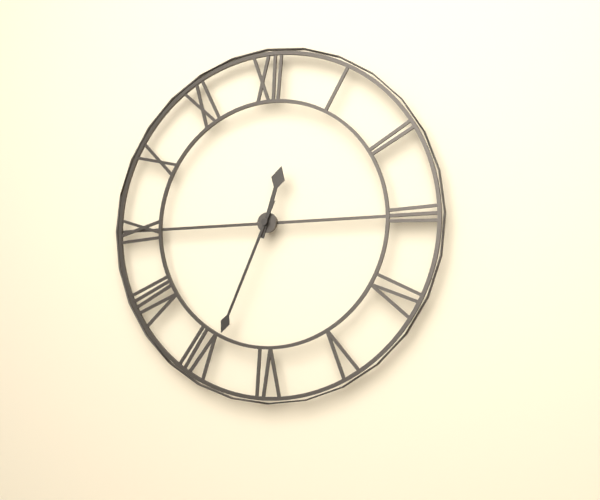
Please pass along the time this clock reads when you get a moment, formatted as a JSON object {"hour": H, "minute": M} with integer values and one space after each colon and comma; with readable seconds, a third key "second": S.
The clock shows {"hour": 12, "minute": 34}
